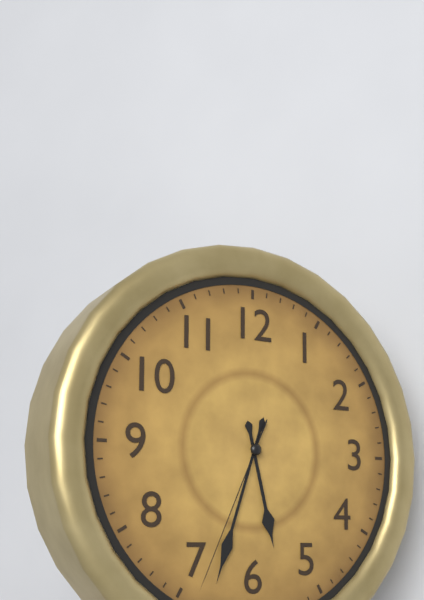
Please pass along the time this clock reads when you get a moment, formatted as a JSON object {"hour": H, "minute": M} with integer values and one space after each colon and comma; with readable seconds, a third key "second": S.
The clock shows {"hour": 5, "minute": 33, "second": 34}
